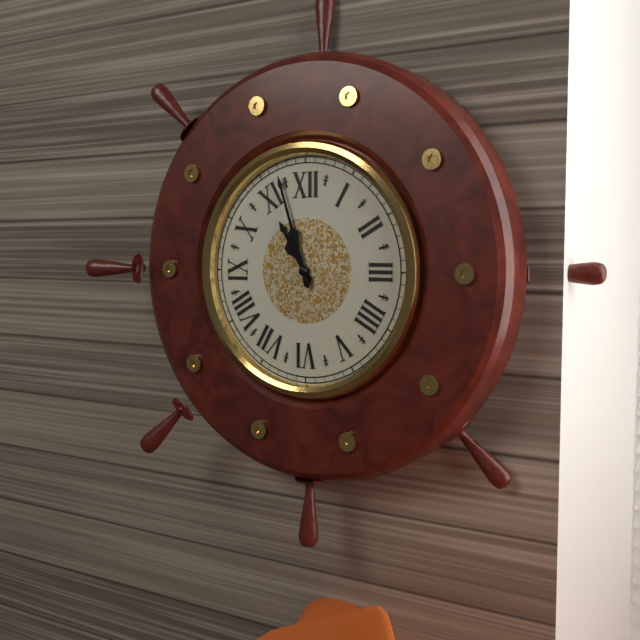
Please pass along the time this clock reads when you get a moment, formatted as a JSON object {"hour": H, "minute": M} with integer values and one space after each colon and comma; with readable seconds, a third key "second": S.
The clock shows {"hour": 10, "minute": 57}
